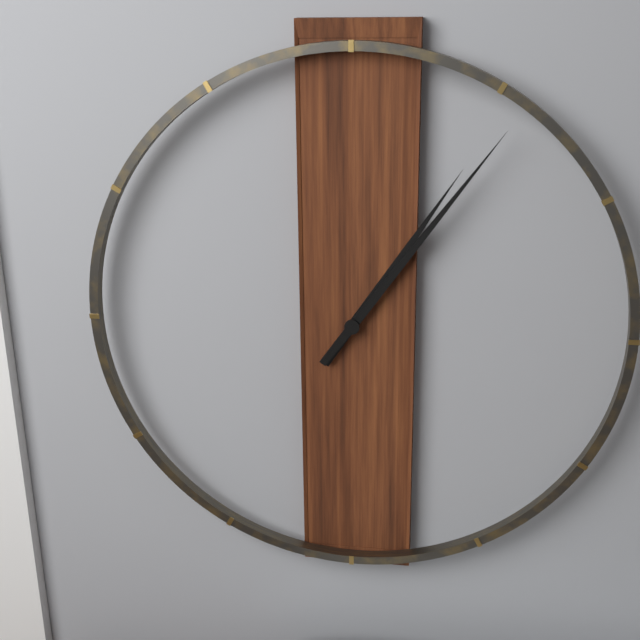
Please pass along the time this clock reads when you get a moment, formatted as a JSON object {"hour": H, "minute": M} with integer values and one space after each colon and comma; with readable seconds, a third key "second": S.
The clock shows {"hour": 1, "minute": 6}
